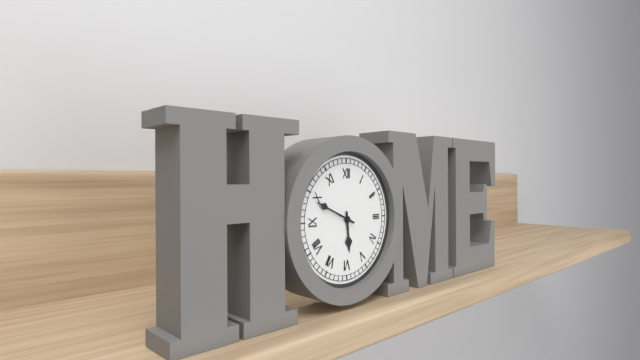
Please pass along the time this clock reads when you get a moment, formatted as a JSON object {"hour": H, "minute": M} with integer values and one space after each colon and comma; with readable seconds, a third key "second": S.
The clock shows {"hour": 5, "minute": 49}
